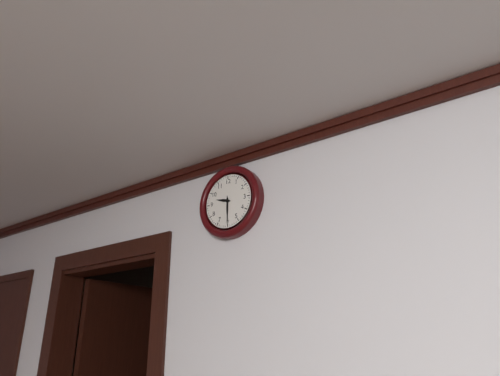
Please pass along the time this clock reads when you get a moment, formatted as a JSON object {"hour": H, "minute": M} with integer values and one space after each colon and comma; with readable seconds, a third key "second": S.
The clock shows {"hour": 9, "minute": 30}
